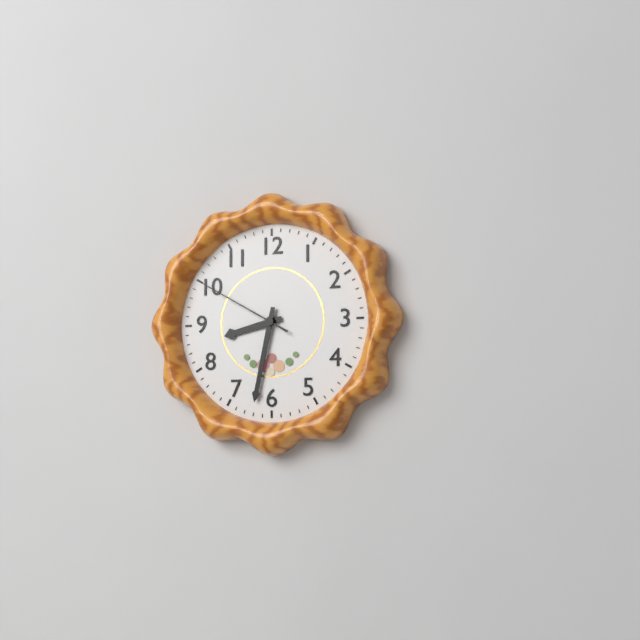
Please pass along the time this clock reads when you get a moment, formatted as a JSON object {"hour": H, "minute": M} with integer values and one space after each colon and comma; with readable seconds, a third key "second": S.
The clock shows {"hour": 8, "minute": 32, "second": 50}
